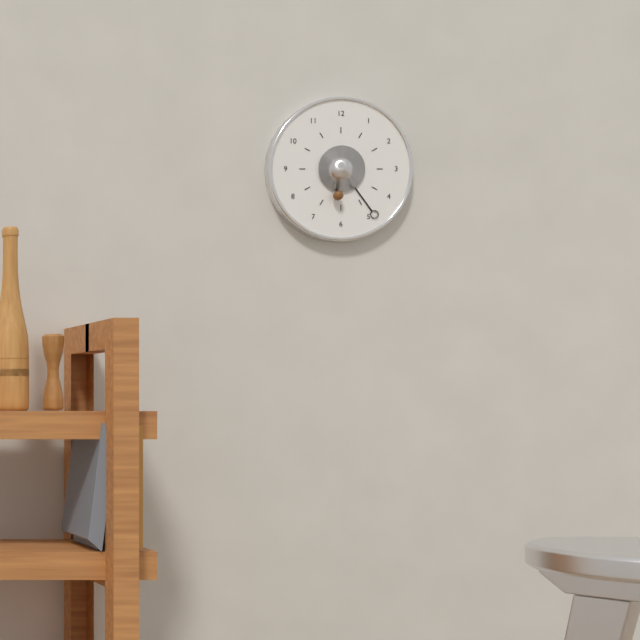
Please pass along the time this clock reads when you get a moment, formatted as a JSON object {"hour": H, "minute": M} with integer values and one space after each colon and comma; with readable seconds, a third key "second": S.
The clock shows {"hour": 6, "minute": 24}
